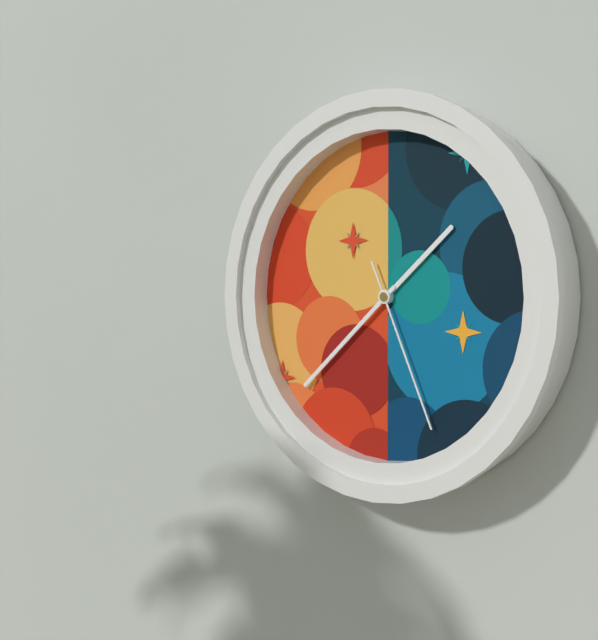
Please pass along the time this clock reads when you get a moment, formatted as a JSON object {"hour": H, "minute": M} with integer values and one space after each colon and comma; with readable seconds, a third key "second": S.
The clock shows {"hour": 1, "minute": 38, "second": 26}
